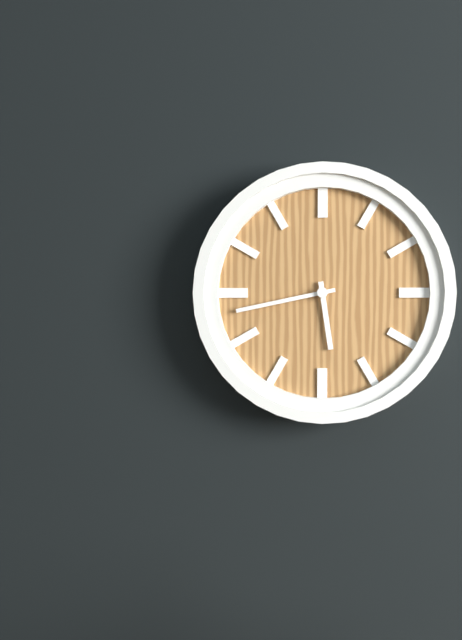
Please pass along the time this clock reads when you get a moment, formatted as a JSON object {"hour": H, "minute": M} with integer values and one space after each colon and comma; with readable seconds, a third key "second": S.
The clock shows {"hour": 5, "minute": 43}
